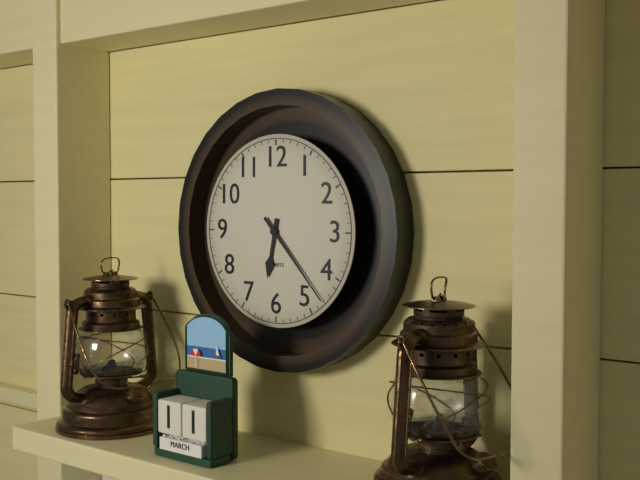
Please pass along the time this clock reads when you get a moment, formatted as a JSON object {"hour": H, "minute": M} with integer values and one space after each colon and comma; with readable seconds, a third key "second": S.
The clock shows {"hour": 6, "minute": 23}
